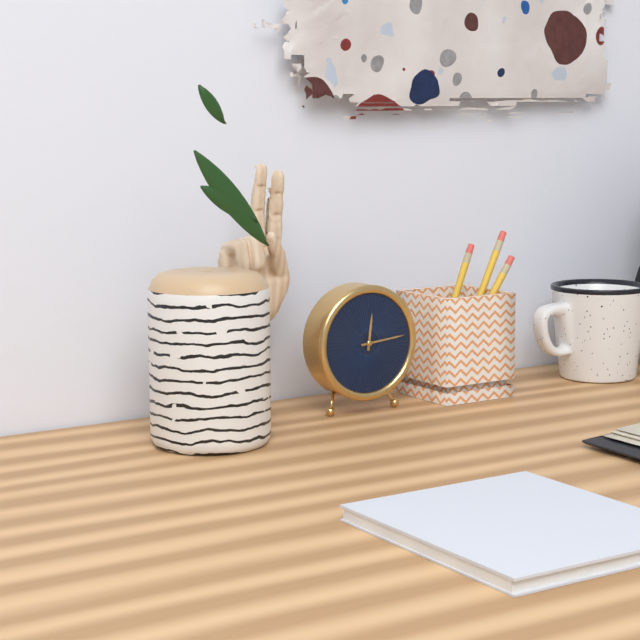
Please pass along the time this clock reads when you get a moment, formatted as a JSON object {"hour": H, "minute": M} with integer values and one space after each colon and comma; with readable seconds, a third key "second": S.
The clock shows {"hour": 12, "minute": 14}
